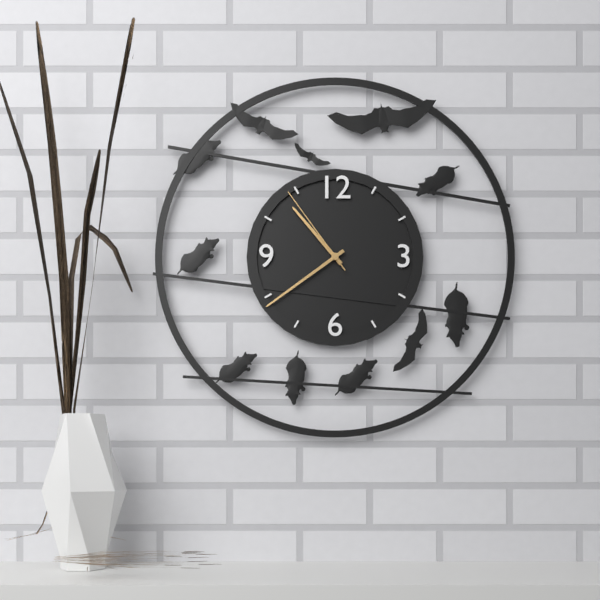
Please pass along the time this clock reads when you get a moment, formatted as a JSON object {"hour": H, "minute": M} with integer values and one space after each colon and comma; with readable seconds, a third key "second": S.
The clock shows {"hour": 10, "minute": 39, "second": 54}
